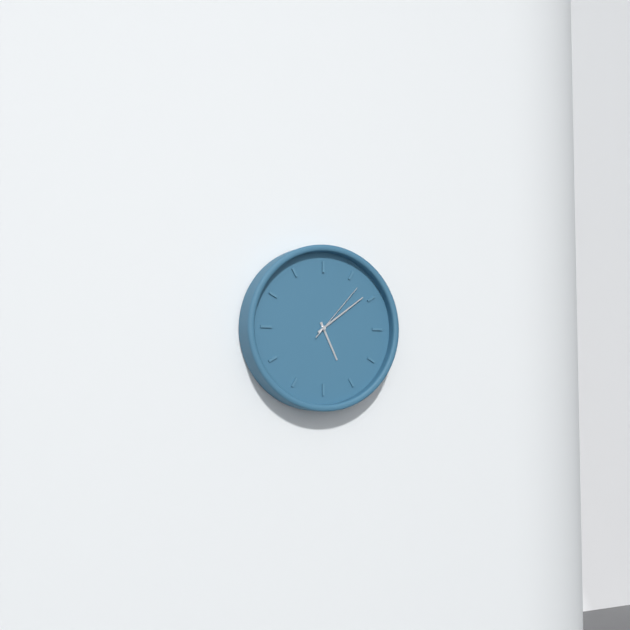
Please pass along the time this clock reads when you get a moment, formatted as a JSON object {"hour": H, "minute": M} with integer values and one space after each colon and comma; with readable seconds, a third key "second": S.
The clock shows {"hour": 5, "minute": 9, "second": 7}
